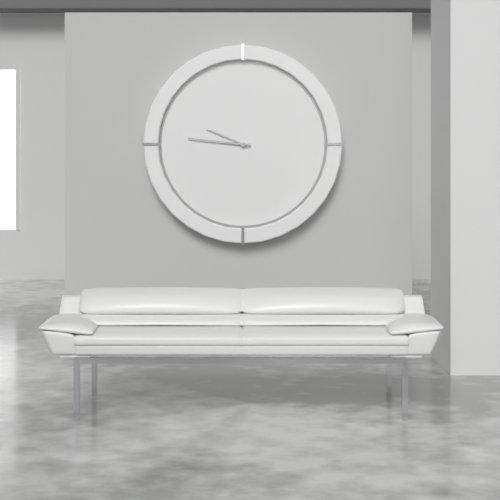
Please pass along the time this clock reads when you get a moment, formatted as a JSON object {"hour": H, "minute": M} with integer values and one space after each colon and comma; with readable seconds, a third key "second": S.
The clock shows {"hour": 9, "minute": 46}
